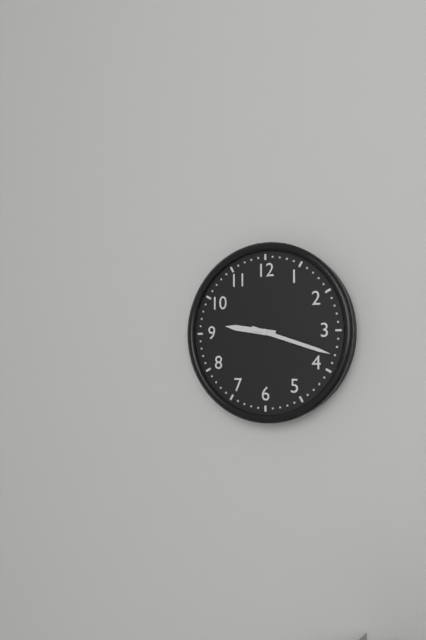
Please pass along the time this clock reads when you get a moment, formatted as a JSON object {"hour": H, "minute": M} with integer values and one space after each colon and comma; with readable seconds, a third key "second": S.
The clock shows {"hour": 9, "minute": 18}
